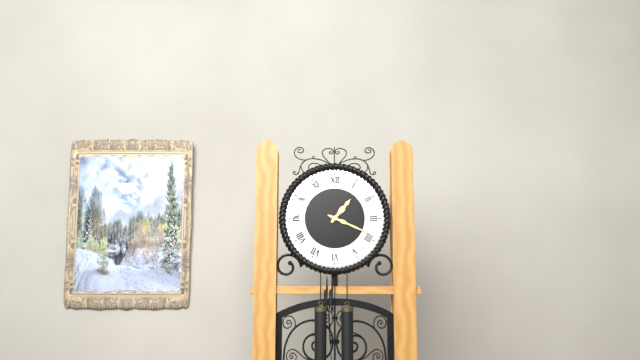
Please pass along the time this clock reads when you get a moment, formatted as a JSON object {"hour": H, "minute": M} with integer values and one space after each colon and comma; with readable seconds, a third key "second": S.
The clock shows {"hour": 1, "minute": 19}
